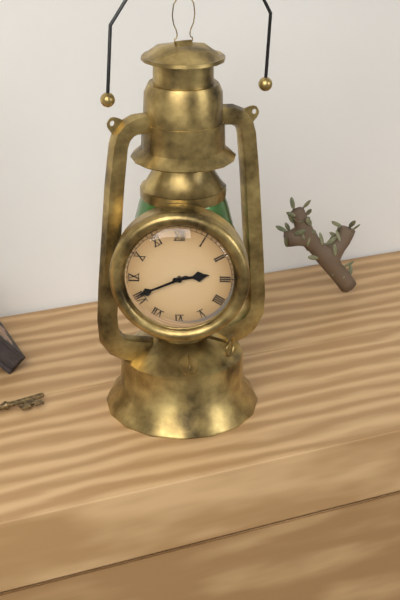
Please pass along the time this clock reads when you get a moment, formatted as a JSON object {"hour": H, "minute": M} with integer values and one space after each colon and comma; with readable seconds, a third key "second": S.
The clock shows {"hour": 2, "minute": 41}
